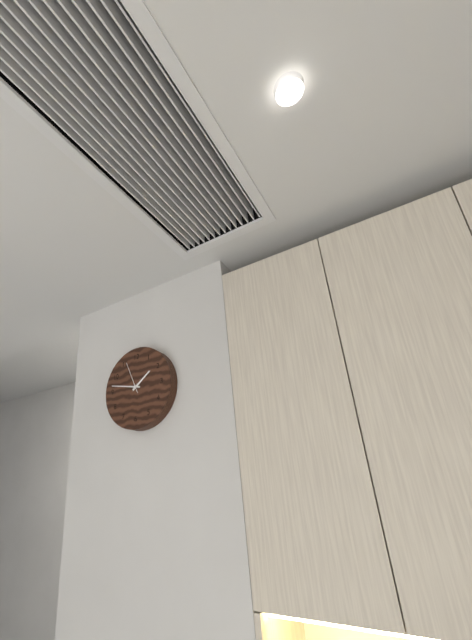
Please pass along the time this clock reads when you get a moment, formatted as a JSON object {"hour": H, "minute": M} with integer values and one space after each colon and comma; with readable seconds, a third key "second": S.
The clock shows {"hour": 1, "minute": 47}
